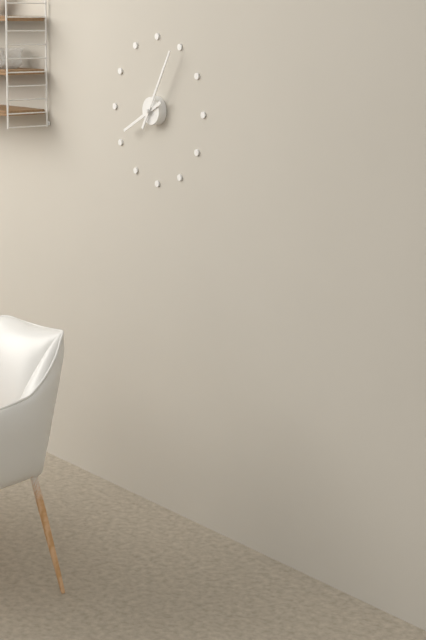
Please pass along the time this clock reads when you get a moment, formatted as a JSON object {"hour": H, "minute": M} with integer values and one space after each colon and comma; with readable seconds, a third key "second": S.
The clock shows {"hour": 8, "minute": 5}
